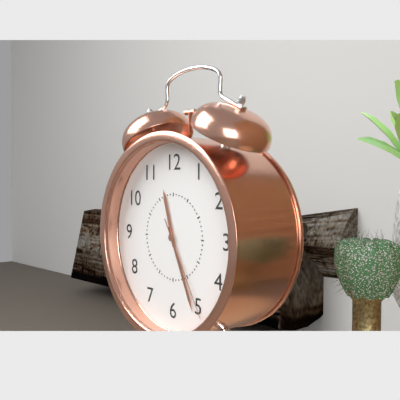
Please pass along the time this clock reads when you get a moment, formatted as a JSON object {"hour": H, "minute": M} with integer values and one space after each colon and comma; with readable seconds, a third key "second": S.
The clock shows {"hour": 11, "minute": 26, "second": 25}
